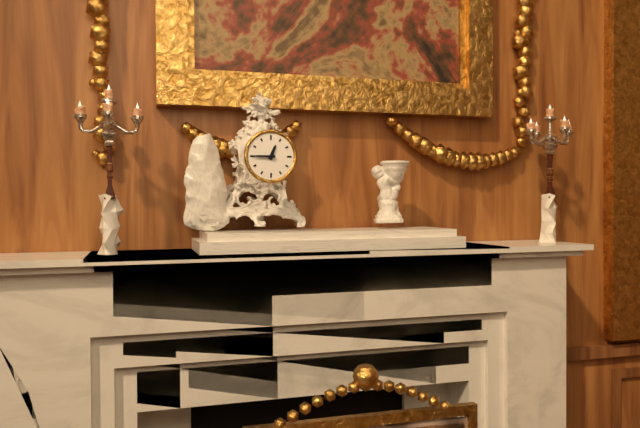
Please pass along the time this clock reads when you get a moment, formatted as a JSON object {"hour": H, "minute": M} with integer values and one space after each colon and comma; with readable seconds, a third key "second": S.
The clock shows {"hour": 12, "minute": 45}
